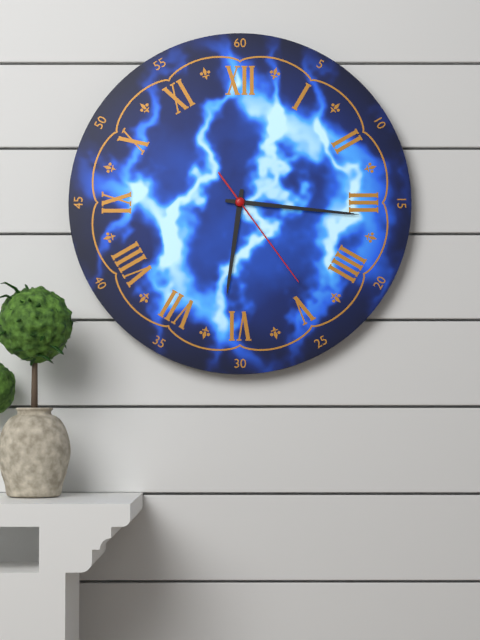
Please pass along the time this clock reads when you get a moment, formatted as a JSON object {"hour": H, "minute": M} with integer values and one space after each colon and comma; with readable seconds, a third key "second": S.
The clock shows {"hour": 6, "minute": 16, "second": 24}
